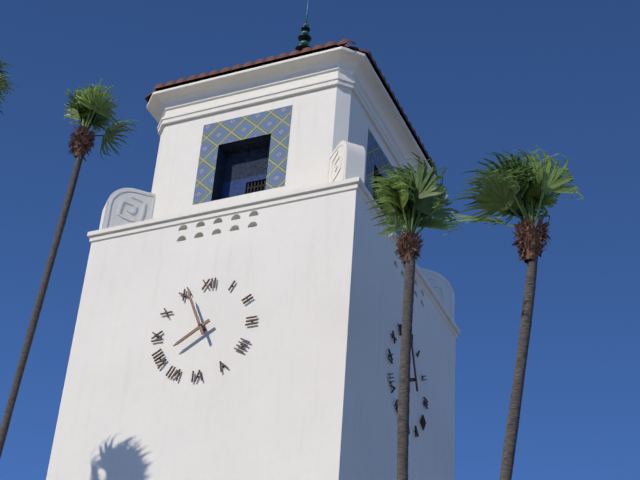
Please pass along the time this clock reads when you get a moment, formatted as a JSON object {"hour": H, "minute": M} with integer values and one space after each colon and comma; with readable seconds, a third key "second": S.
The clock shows {"hour": 7, "minute": 56}
